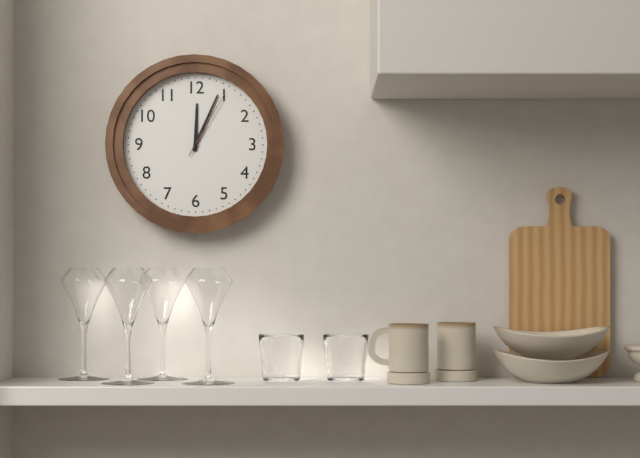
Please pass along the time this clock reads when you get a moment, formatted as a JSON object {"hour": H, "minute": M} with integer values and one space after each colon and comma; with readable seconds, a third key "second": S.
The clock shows {"hour": 12, "minute": 4, "second": 5}
